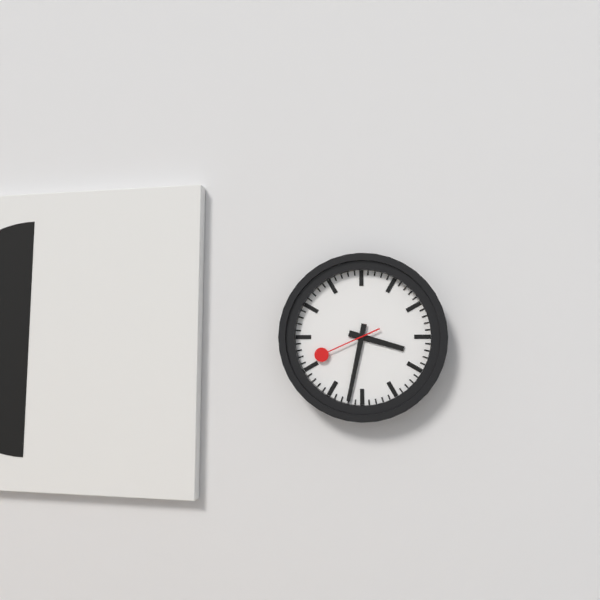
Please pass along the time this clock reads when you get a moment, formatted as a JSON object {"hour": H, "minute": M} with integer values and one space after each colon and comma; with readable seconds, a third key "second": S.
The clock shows {"hour": 3, "minute": 32, "second": 41}
